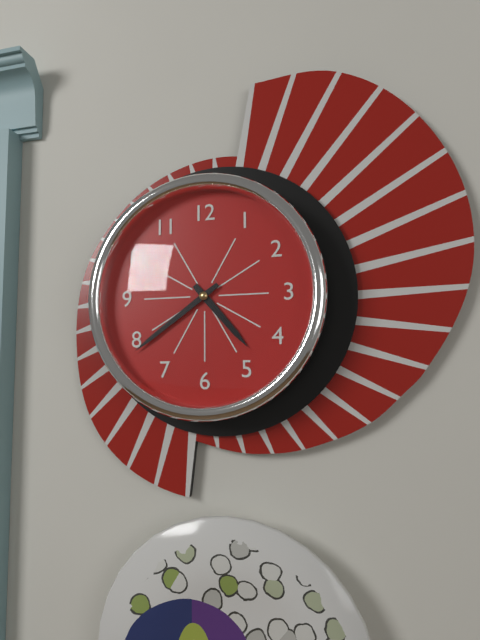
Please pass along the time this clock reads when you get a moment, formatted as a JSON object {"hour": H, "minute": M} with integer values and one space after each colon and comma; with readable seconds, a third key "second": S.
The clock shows {"hour": 4, "minute": 39}
